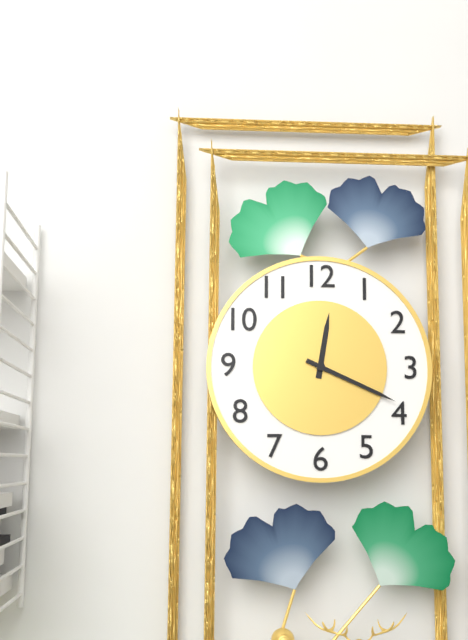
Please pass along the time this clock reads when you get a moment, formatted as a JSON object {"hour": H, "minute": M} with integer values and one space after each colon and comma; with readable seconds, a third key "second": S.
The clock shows {"hour": 12, "minute": 19}
